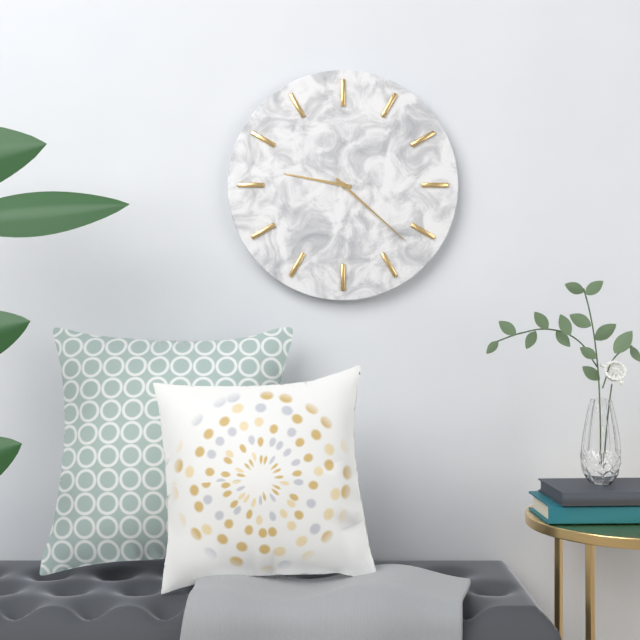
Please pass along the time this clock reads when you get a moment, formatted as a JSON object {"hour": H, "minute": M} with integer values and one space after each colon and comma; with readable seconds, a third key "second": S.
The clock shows {"hour": 9, "minute": 22}
